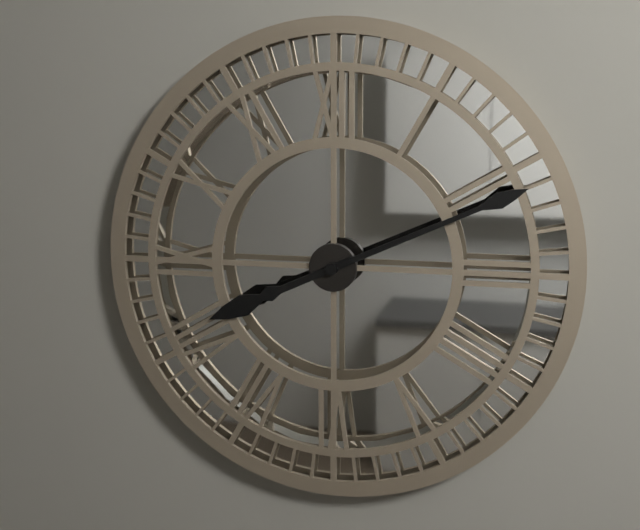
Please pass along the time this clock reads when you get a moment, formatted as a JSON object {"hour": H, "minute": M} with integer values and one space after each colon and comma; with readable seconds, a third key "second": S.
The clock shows {"hour": 8, "minute": 11}
